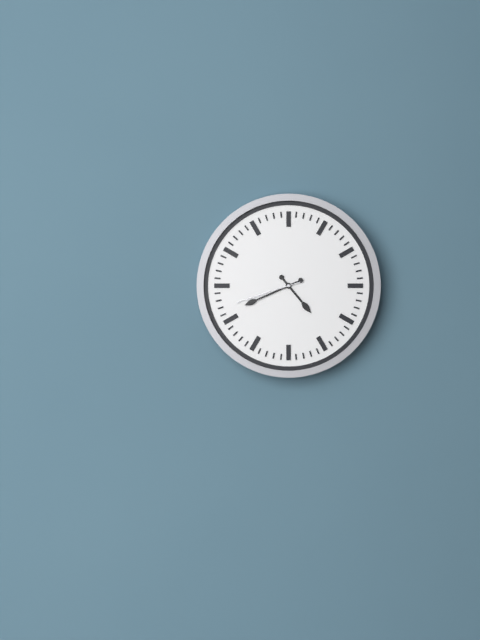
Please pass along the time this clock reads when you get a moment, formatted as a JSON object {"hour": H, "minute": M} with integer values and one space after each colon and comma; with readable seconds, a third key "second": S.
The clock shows {"hour": 4, "minute": 41, "second": 42}
